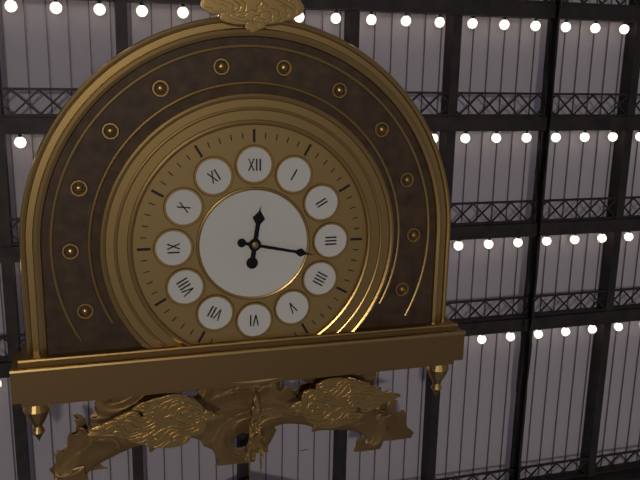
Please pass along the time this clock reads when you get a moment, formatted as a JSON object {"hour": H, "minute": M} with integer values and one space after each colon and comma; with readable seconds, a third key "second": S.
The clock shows {"hour": 12, "minute": 17}
